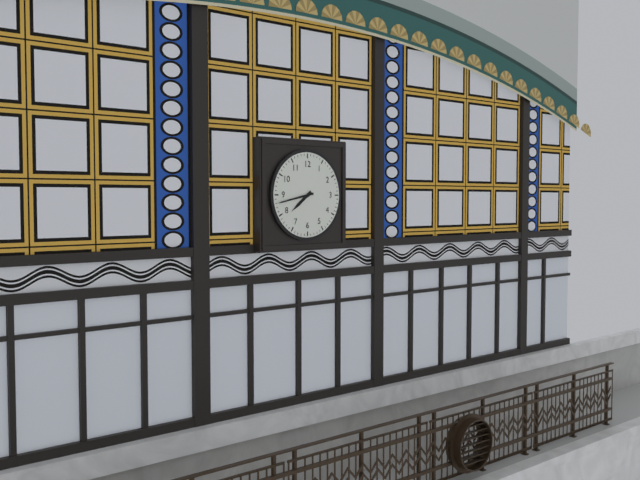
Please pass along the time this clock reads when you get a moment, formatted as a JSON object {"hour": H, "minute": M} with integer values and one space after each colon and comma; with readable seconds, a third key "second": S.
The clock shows {"hour": 7, "minute": 43}
